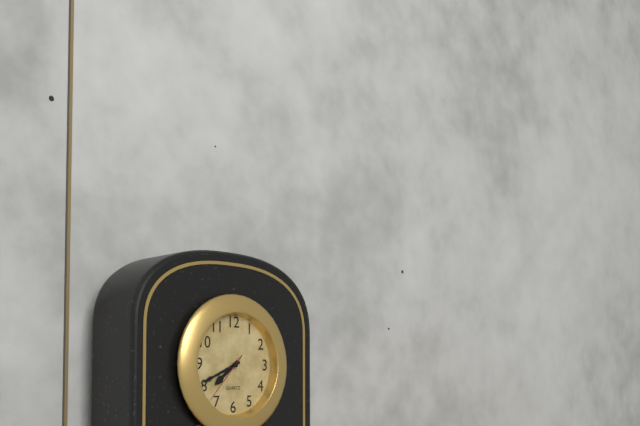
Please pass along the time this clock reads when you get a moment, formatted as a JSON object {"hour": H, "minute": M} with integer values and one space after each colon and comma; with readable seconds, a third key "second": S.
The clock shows {"hour": 7, "minute": 41, "second": 37}
